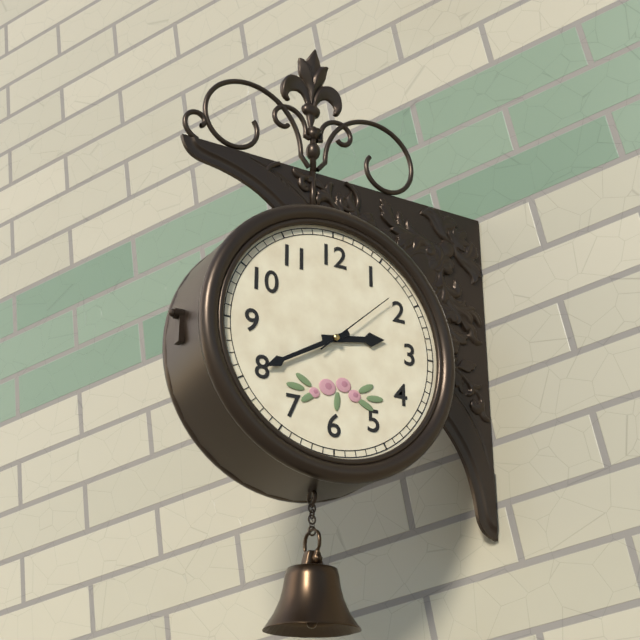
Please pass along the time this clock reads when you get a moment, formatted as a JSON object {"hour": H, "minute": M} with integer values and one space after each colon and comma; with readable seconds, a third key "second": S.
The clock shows {"hour": 2, "minute": 40, "second": 8}
